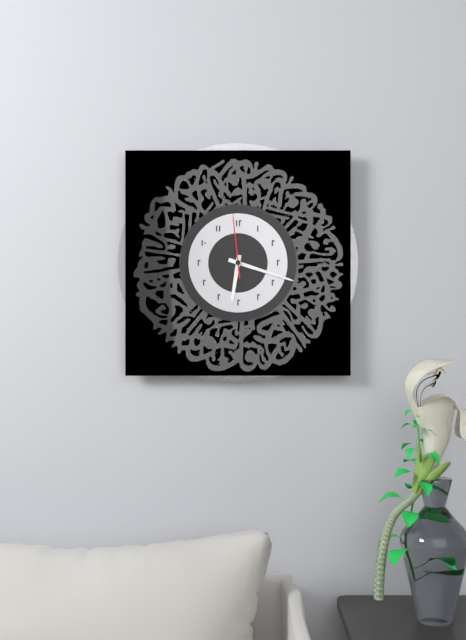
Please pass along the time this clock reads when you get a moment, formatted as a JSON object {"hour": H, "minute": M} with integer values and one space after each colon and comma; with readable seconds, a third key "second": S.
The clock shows {"hour": 6, "minute": 18, "second": 59}
